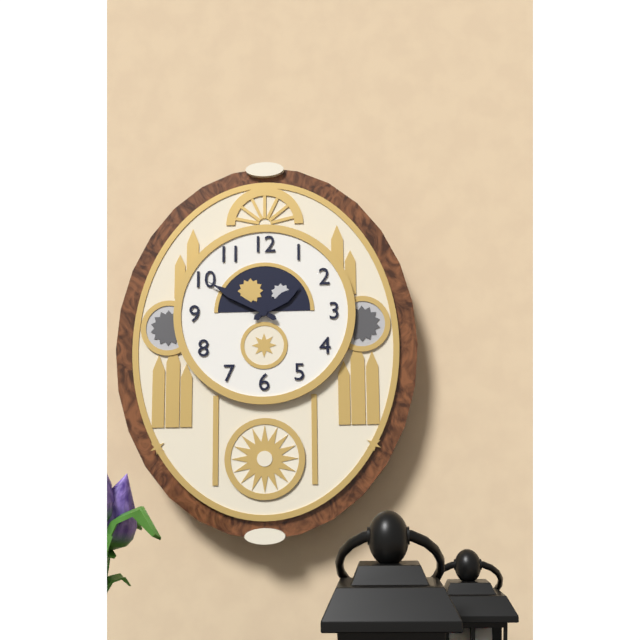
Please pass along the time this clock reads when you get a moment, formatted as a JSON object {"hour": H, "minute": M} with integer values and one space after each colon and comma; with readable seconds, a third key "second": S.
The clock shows {"hour": 1, "minute": 50}
